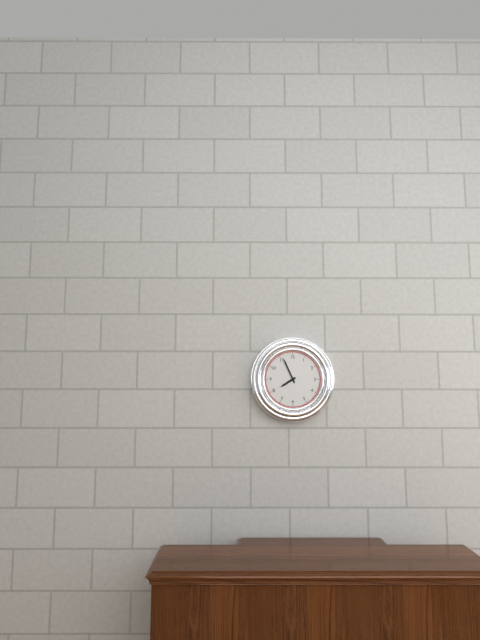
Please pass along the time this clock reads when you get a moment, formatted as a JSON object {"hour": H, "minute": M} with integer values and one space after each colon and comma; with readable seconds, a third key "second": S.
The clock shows {"hour": 7, "minute": 56}
